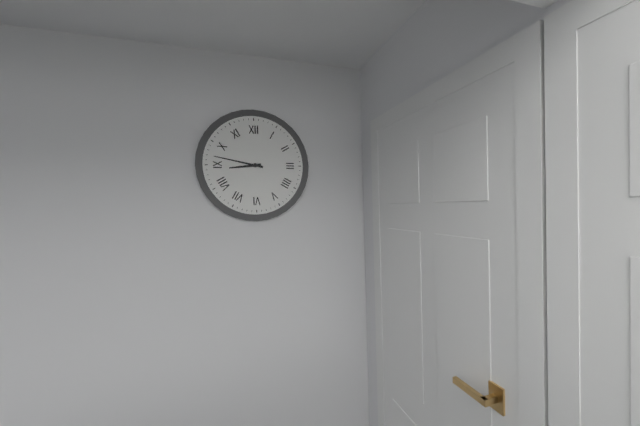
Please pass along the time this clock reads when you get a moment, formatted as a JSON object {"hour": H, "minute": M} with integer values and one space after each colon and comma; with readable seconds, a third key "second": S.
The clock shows {"hour": 8, "minute": 47}
